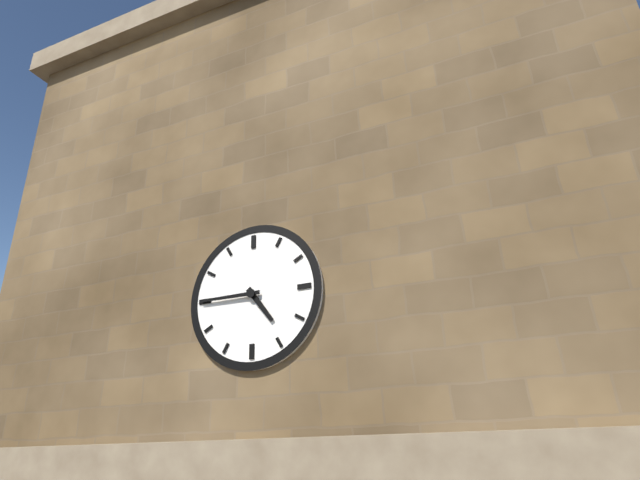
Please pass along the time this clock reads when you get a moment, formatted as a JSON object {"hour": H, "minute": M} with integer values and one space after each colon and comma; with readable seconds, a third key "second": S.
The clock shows {"hour": 4, "minute": 45}
